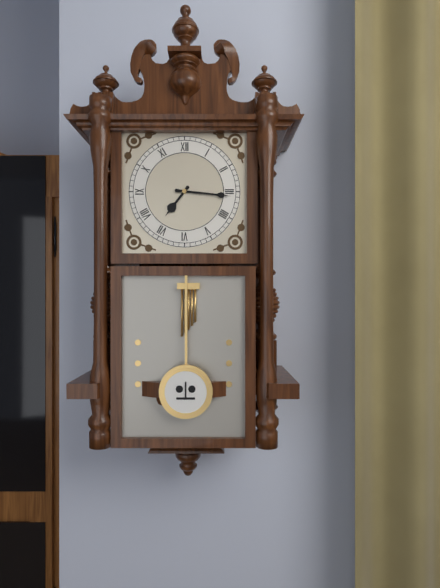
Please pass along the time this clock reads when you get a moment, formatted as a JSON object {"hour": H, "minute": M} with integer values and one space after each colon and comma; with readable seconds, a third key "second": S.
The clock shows {"hour": 7, "minute": 16}
